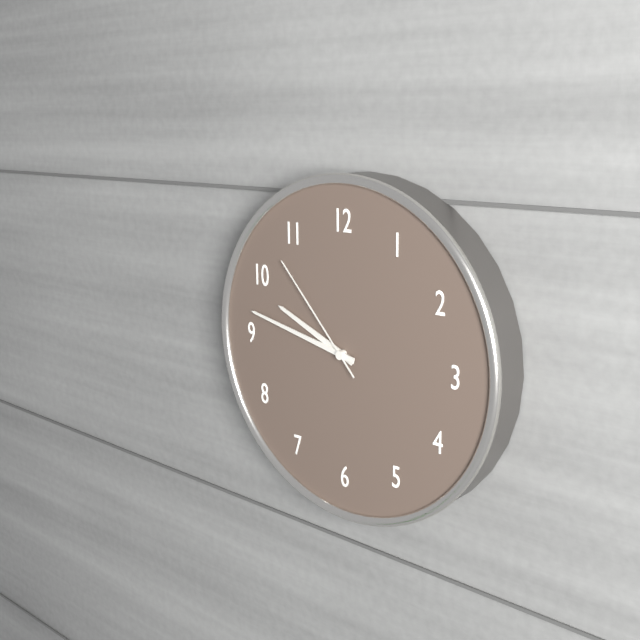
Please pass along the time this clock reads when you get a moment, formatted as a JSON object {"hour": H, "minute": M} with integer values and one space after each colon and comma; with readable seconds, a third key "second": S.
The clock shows {"hour": 9, "minute": 47, "second": 53}
